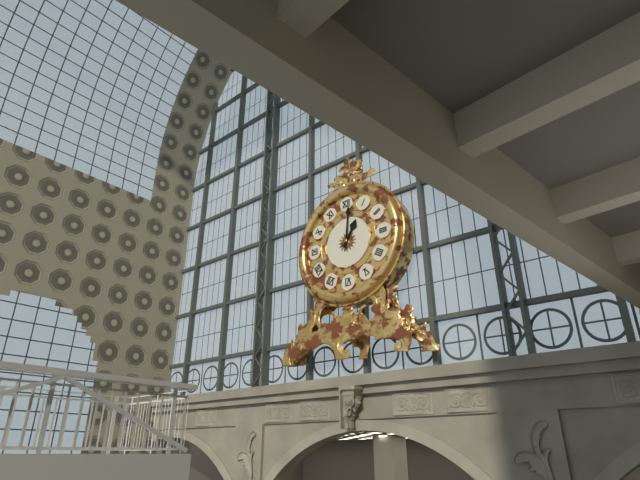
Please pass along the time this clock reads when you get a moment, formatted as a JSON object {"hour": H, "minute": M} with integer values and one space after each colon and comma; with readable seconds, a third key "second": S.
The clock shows {"hour": 1, "minute": 1}
